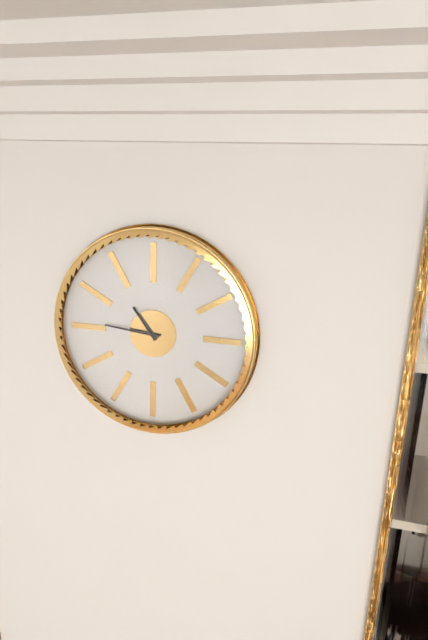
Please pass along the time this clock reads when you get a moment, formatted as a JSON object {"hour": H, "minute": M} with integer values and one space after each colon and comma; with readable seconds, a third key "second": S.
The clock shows {"hour": 10, "minute": 46}
